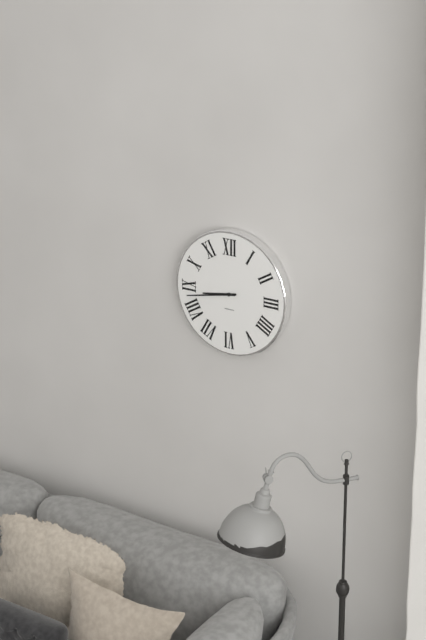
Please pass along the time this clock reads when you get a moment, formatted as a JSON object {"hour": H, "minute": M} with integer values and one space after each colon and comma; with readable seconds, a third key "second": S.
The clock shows {"hour": 8, "minute": 43}
